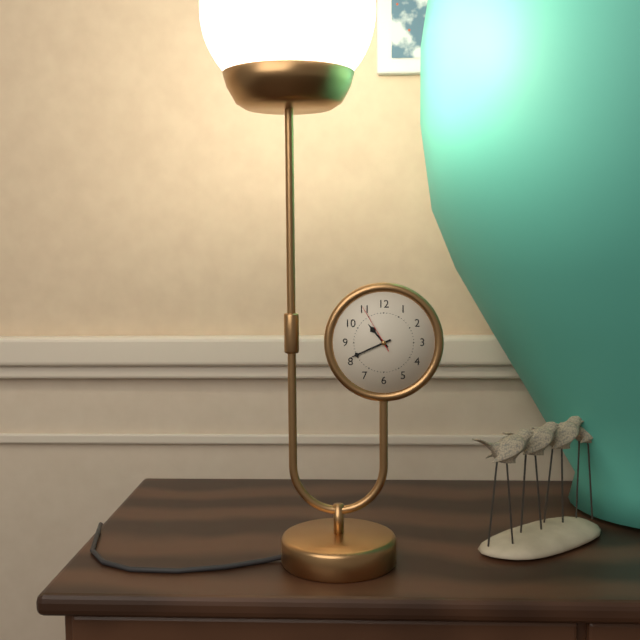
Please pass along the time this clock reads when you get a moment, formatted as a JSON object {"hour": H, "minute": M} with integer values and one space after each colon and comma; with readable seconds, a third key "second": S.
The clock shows {"hour": 10, "minute": 41, "second": 55}
